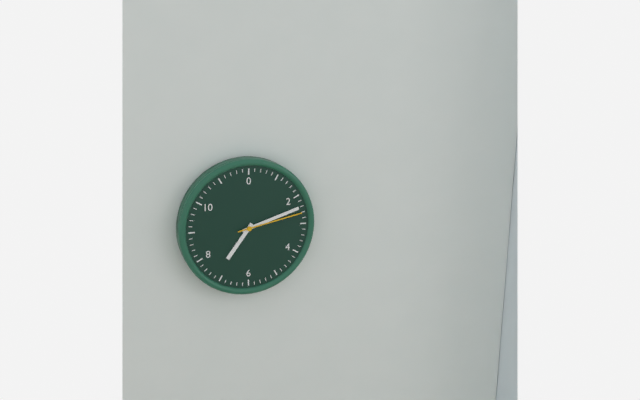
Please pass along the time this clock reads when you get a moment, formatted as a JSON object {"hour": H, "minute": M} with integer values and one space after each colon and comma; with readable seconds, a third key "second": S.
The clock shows {"hour": 7, "minute": 12, "second": 13}
